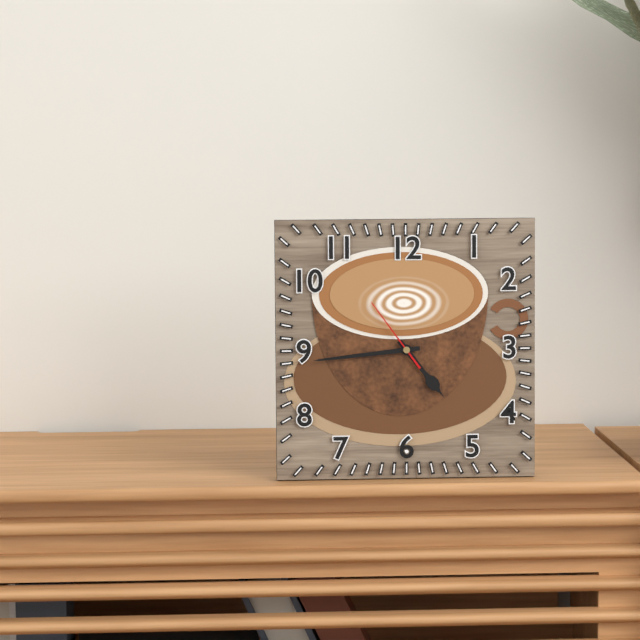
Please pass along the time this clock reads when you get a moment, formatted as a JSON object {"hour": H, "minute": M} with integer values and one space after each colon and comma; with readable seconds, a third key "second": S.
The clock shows {"hour": 4, "minute": 44, "second": 54}
